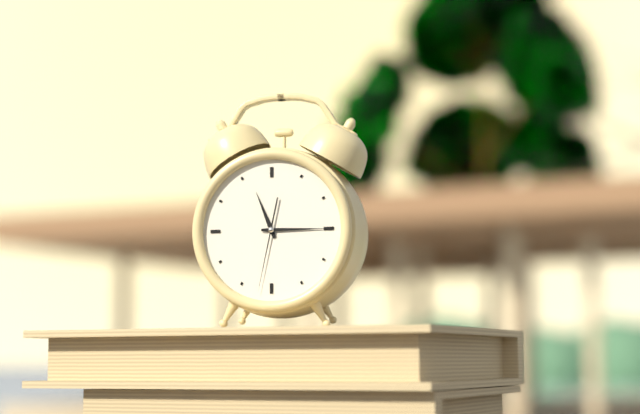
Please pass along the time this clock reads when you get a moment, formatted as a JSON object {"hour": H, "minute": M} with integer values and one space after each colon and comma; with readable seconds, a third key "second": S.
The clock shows {"hour": 11, "minute": 15, "second": 32}
